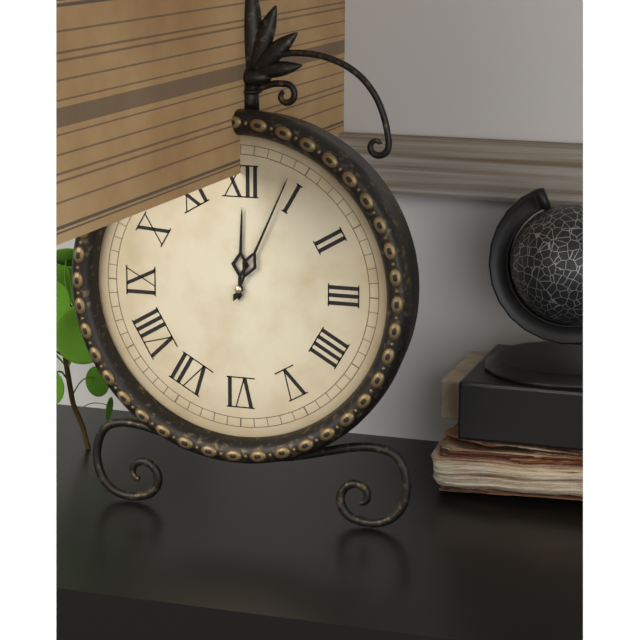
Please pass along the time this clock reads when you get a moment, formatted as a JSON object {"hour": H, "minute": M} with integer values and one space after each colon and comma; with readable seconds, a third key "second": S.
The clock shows {"hour": 12, "minute": 4}
